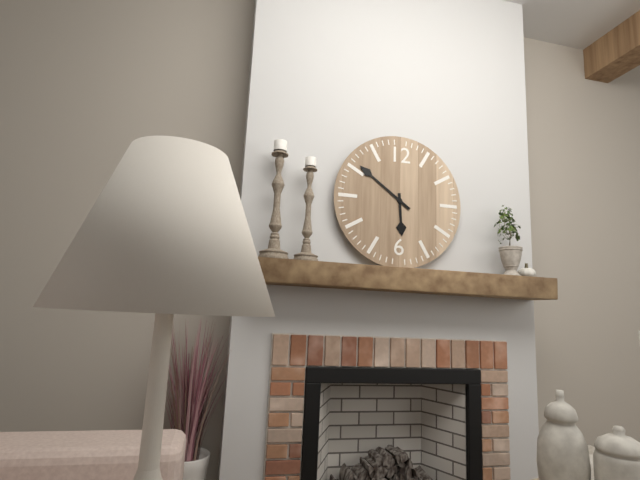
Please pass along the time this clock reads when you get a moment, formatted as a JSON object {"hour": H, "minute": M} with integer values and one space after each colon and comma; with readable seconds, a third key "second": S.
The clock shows {"hour": 5, "minute": 51}
